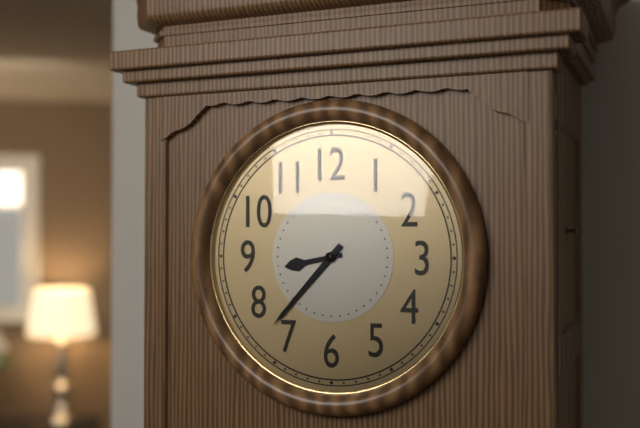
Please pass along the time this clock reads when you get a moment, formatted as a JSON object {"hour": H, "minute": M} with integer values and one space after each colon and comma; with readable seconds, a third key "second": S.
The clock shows {"hour": 8, "minute": 37}
